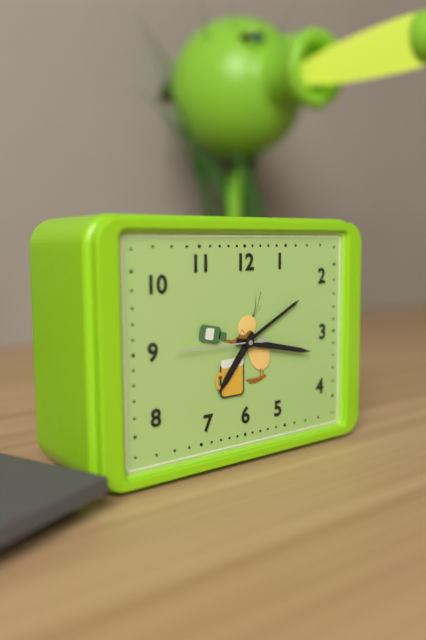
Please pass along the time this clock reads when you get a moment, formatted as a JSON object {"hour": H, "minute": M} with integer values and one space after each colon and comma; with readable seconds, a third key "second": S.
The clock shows {"hour": 7, "minute": 17, "second": 45}
